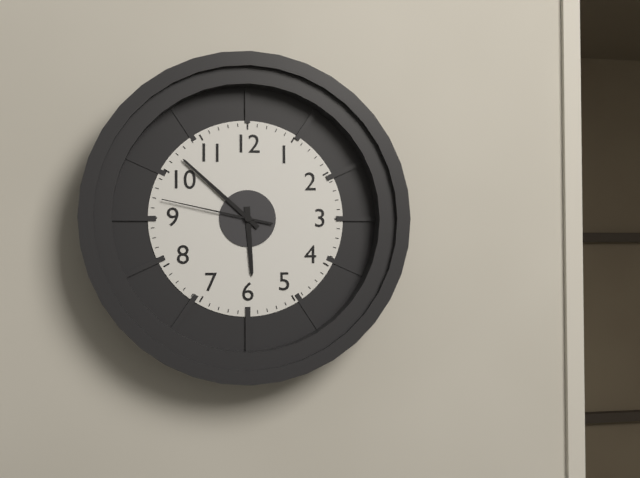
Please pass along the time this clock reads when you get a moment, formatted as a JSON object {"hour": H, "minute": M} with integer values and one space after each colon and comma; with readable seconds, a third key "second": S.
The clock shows {"hour": 5, "minute": 52, "second": 47}
